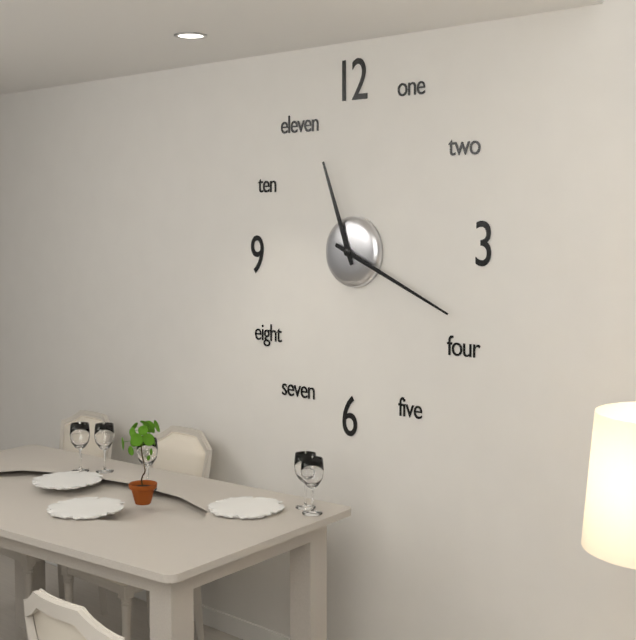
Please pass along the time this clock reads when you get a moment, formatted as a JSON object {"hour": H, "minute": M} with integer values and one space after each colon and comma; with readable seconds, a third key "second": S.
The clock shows {"hour": 11, "minute": 19}
